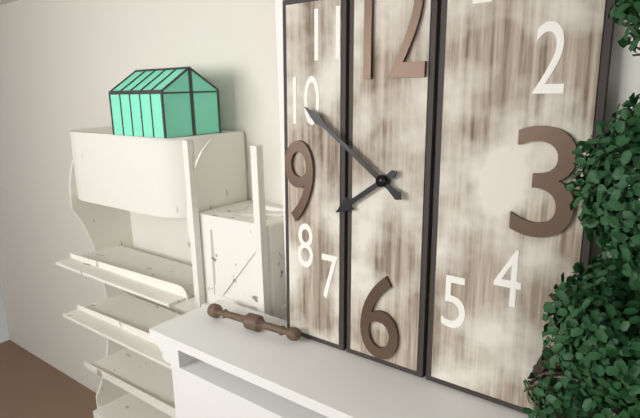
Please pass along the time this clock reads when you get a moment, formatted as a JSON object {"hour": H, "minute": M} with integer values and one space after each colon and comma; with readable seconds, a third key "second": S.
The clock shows {"hour": 7, "minute": 51}
